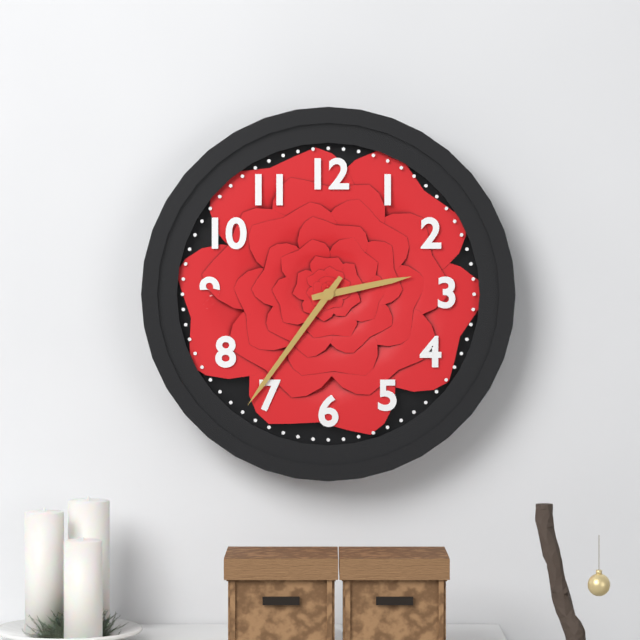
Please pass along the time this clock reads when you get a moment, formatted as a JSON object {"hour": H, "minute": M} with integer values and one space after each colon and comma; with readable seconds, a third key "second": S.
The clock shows {"hour": 2, "minute": 36}
